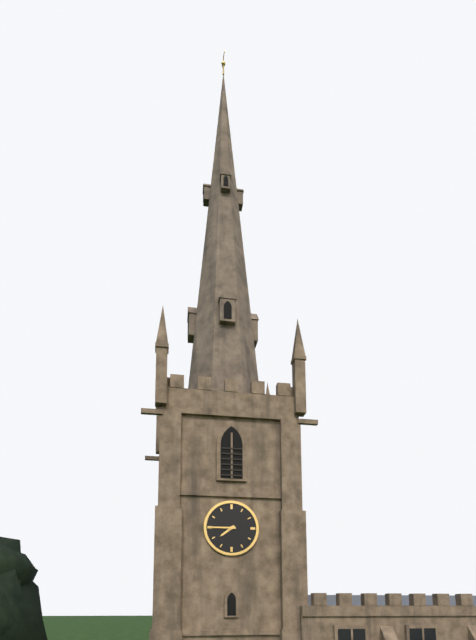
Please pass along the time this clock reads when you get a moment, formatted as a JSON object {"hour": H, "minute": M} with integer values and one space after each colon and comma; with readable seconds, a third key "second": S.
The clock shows {"hour": 7, "minute": 45}
